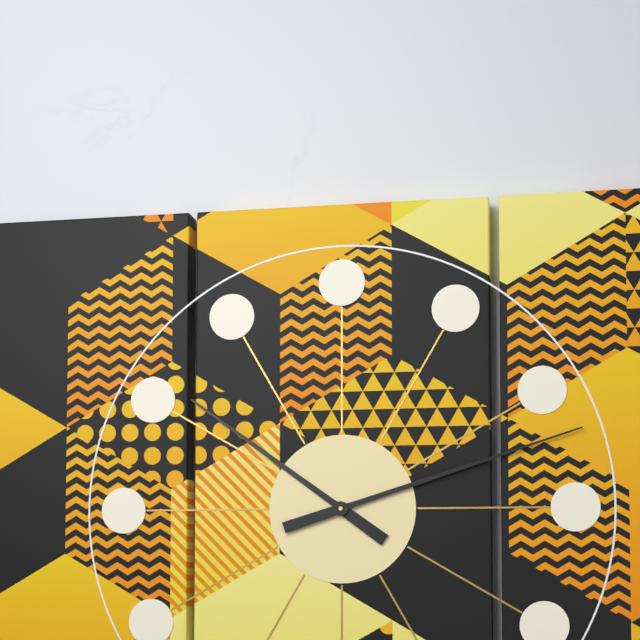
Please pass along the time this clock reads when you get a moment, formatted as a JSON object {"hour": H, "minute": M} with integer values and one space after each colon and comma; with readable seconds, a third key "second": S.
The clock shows {"hour": 10, "minute": 12}
